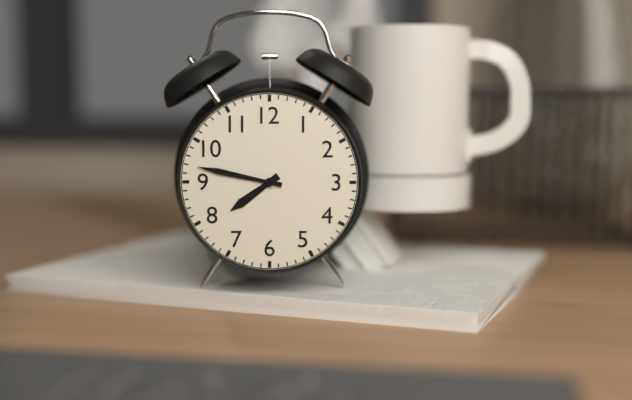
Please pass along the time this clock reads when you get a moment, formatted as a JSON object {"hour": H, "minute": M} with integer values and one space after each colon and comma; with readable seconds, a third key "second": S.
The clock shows {"hour": 7, "minute": 47}
